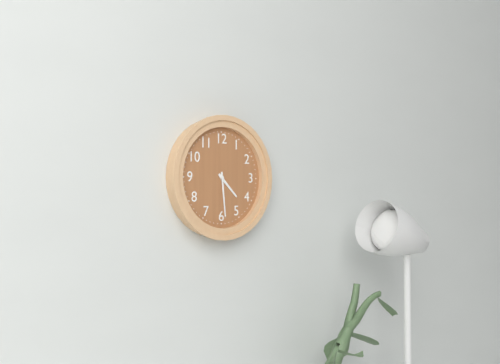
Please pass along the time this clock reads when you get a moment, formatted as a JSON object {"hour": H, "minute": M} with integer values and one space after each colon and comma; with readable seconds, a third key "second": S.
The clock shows {"hour": 4, "minute": 29}
